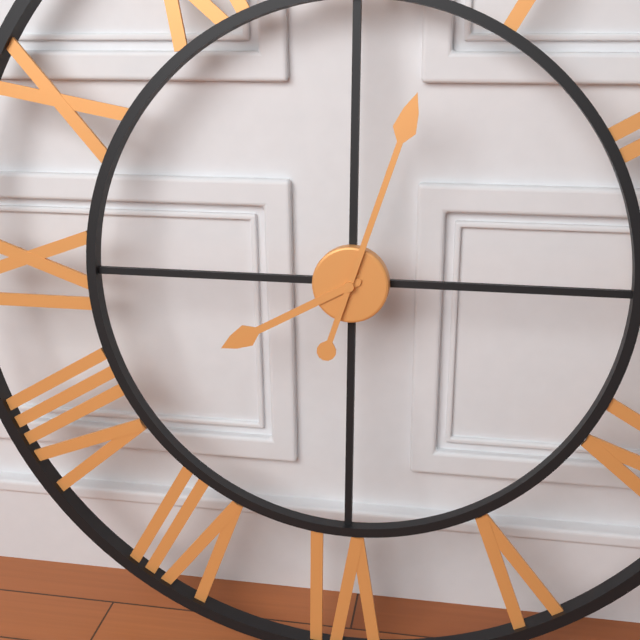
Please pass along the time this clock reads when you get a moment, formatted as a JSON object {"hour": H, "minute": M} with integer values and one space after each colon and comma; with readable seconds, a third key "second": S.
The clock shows {"hour": 8, "minute": 3}
